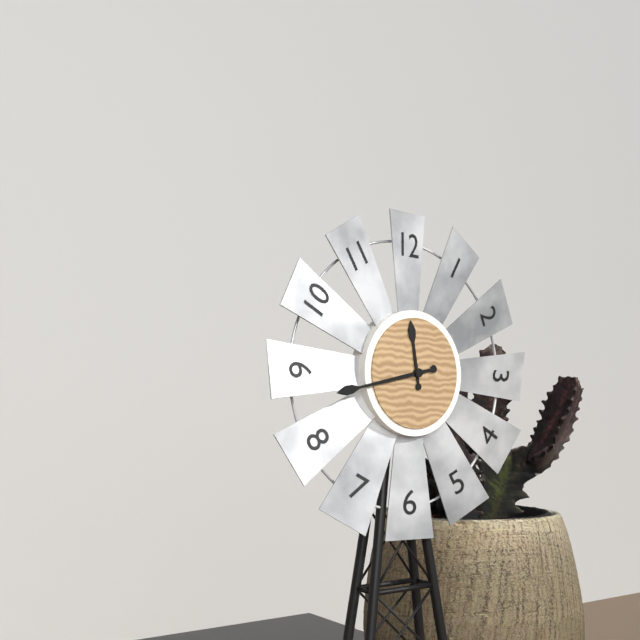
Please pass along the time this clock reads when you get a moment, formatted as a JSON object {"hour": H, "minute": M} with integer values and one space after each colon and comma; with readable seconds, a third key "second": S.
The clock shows {"hour": 11, "minute": 43}
